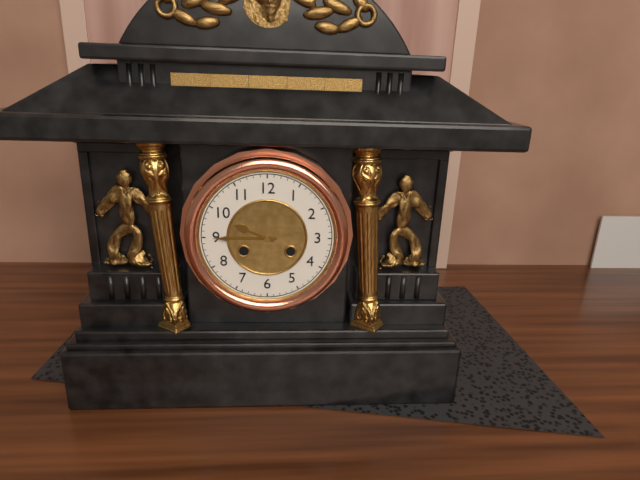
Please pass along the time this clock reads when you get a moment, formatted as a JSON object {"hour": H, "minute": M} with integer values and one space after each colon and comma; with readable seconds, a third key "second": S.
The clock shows {"hour": 9, "minute": 45}
